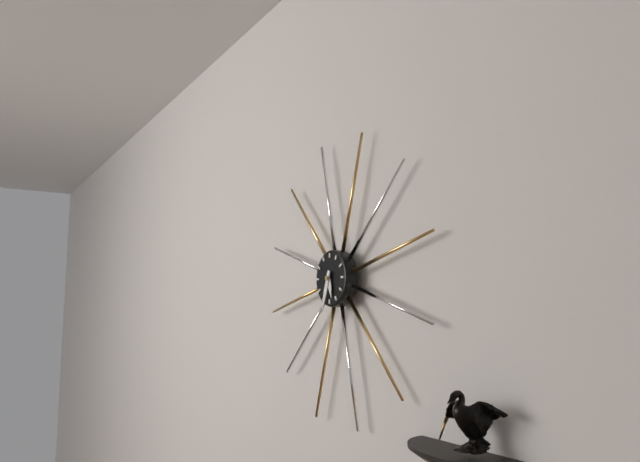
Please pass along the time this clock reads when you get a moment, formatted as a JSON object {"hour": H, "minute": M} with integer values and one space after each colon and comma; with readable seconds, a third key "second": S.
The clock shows {"hour": 5, "minute": 33}
